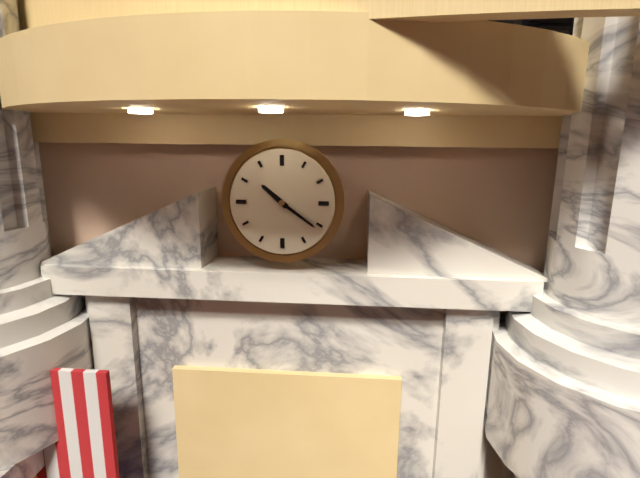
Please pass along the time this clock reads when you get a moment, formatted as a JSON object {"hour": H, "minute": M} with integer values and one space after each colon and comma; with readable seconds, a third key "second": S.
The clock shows {"hour": 10, "minute": 21}
